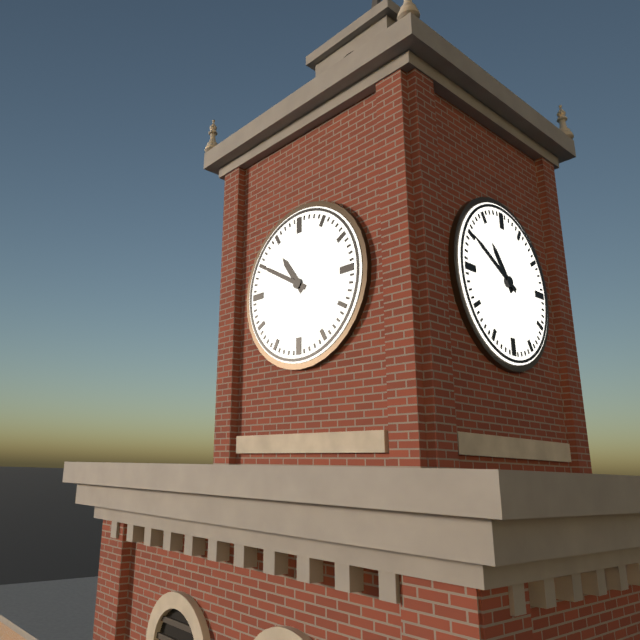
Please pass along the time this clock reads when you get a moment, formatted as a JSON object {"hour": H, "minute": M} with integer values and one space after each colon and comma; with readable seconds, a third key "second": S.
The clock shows {"hour": 10, "minute": 50}
